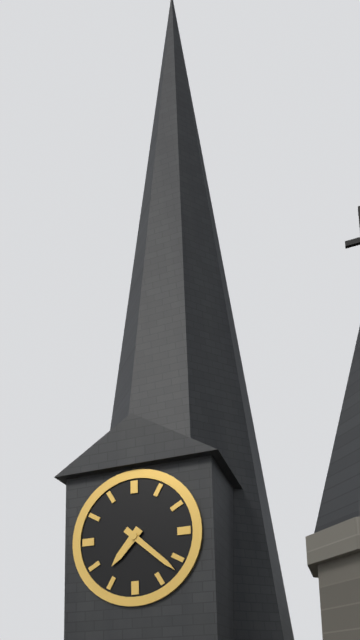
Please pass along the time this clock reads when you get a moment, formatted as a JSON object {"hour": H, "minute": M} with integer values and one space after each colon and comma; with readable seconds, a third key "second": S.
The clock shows {"hour": 7, "minute": 22}
